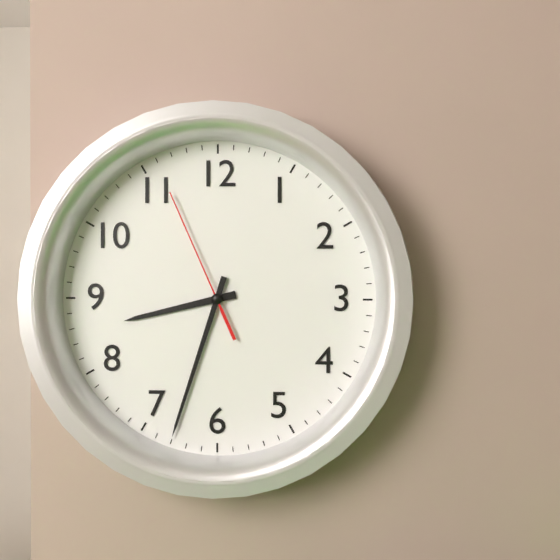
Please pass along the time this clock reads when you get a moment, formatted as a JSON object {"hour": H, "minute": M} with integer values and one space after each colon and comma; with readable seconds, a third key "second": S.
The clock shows {"hour": 8, "minute": 33, "second": 56}
